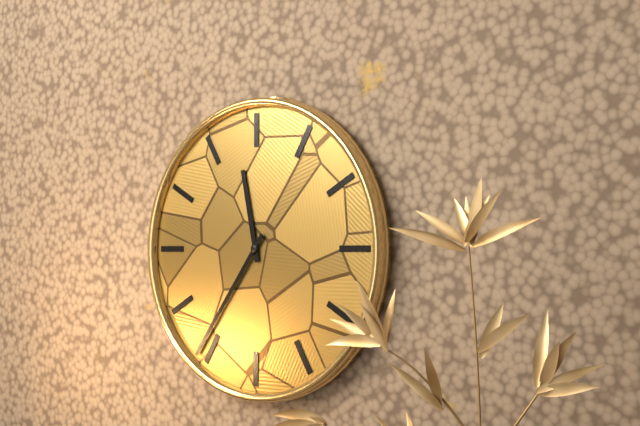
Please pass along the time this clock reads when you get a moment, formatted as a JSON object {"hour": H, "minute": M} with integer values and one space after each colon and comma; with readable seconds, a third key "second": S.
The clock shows {"hour": 11, "minute": 36}
